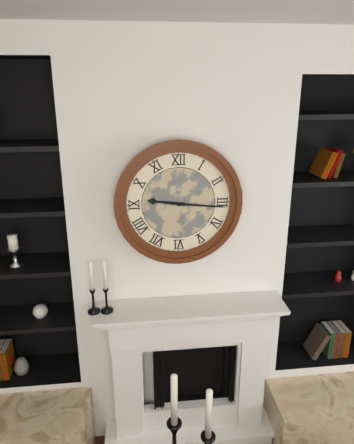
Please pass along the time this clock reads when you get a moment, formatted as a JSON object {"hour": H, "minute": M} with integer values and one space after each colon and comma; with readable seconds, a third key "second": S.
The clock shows {"hour": 9, "minute": 16}
